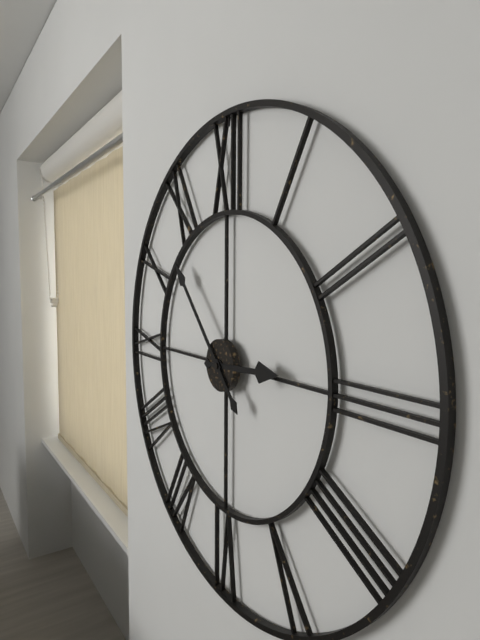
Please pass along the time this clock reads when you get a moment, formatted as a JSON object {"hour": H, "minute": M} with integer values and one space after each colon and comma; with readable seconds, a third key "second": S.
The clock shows {"hour": 2, "minute": 53}
